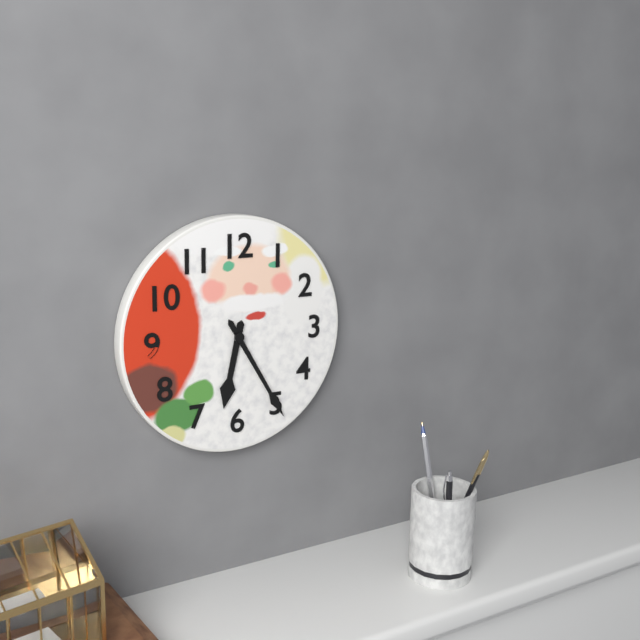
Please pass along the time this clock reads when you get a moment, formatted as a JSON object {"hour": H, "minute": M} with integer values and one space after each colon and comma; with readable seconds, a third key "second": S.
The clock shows {"hour": 6, "minute": 25}
